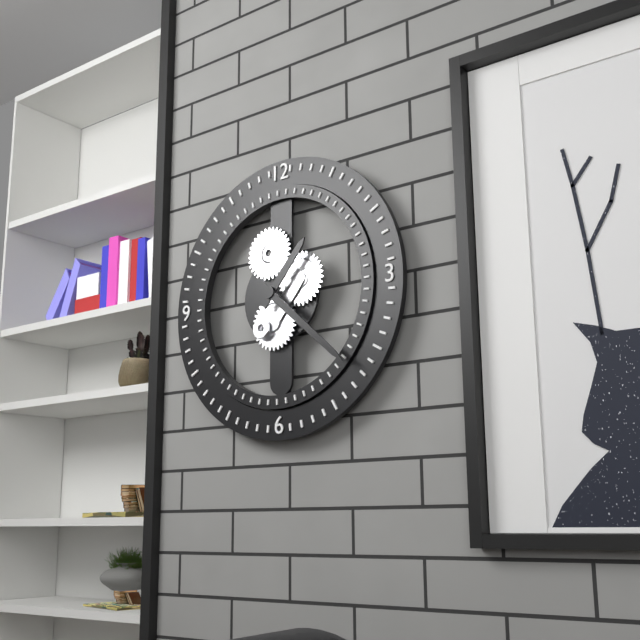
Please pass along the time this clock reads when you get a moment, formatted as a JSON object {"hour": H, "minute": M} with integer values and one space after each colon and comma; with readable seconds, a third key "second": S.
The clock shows {"hour": 1, "minute": 22}
